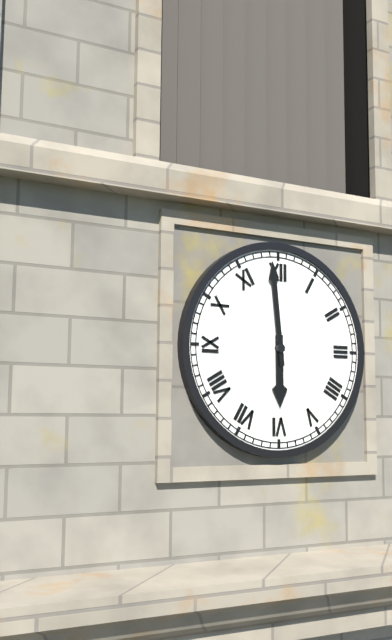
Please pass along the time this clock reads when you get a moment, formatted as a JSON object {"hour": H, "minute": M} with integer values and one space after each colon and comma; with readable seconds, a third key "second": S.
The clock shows {"hour": 5, "minute": 59}
